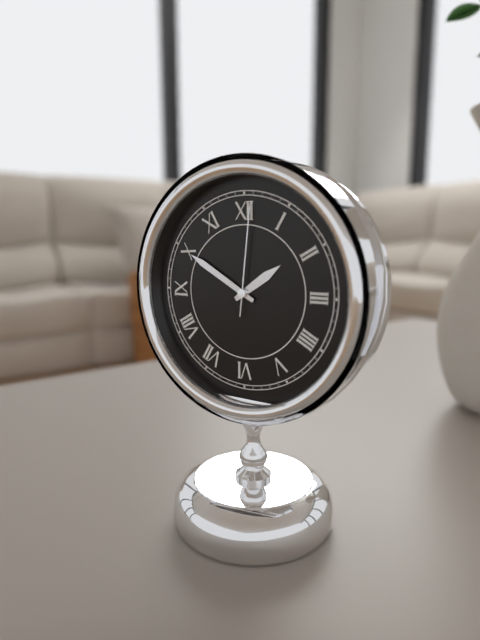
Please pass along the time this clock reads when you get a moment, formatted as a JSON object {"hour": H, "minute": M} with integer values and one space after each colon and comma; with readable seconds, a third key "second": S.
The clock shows {"hour": 1, "minute": 50, "second": 1}
